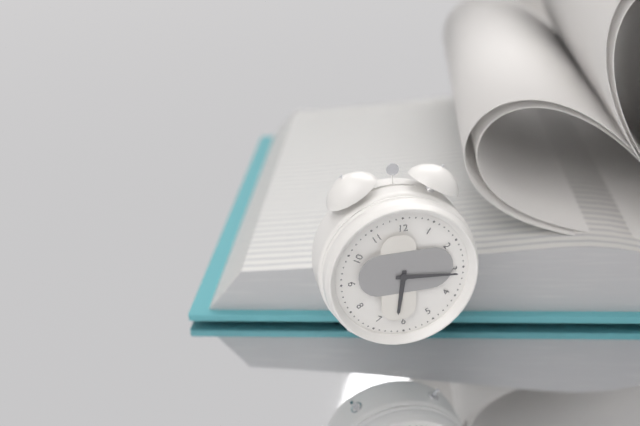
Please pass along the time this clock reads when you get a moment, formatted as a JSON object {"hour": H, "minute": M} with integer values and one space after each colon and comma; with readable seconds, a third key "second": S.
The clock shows {"hour": 6, "minute": 16}
